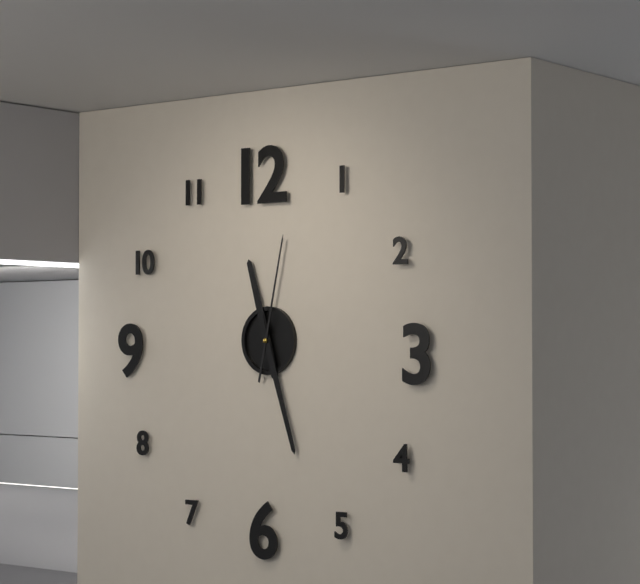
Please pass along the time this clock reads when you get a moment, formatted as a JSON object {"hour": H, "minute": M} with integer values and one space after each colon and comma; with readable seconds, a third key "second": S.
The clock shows {"hour": 11, "minute": 27, "second": 2}
